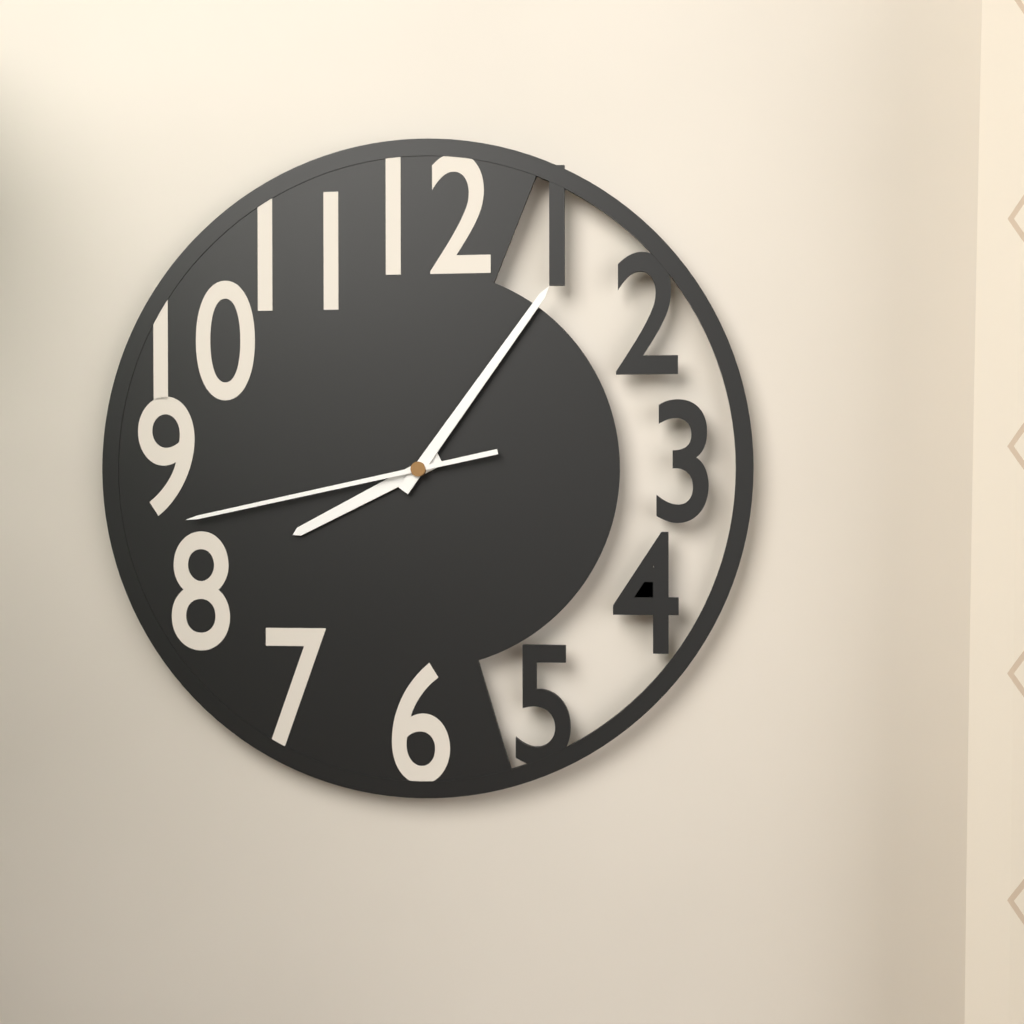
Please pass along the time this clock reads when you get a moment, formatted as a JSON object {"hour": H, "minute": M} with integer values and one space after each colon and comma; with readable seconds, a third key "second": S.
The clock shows {"hour": 8, "minute": 6, "second": 43}
